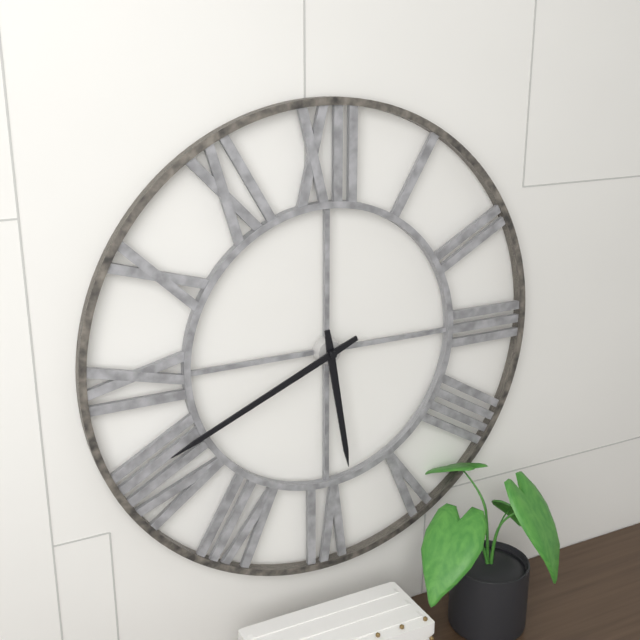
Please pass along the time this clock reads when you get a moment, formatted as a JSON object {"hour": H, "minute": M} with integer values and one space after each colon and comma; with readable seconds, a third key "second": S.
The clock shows {"hour": 5, "minute": 41}
